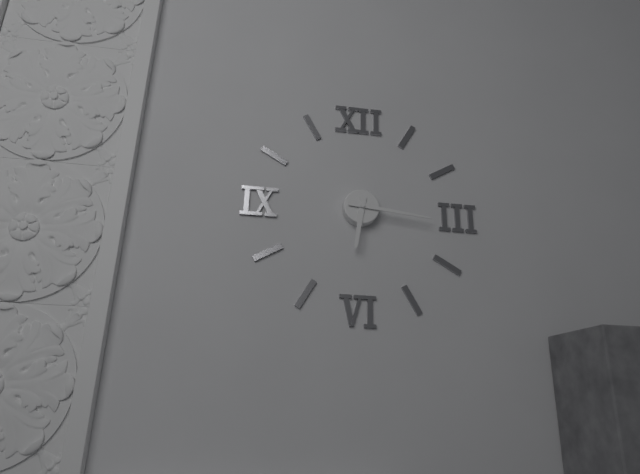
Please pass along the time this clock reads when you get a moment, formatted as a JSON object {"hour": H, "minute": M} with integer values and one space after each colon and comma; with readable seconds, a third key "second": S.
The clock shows {"hour": 6, "minute": 16}
